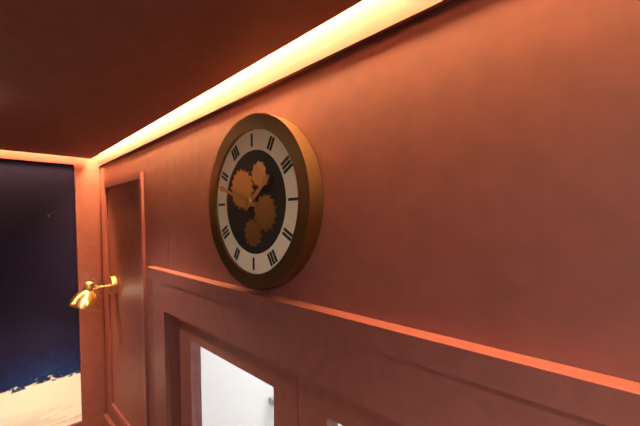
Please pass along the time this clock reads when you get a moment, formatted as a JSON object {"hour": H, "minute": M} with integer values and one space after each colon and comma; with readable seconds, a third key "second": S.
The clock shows {"hour": 1, "minute": 48}
